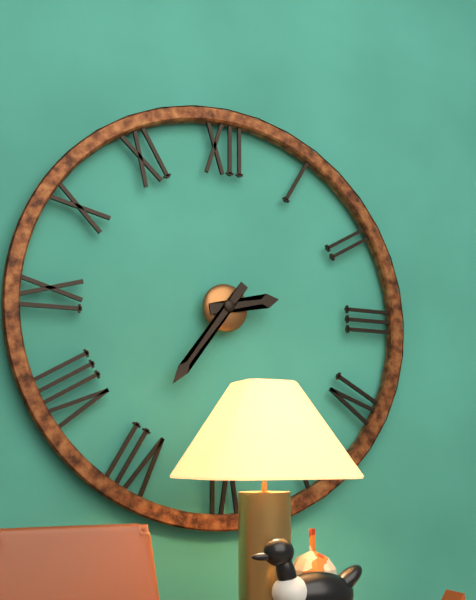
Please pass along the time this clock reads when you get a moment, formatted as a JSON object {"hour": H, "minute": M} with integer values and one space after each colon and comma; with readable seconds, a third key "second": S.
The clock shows {"hour": 2, "minute": 36}
